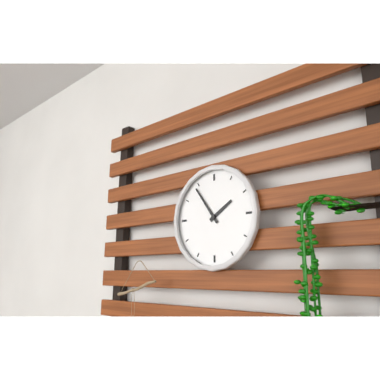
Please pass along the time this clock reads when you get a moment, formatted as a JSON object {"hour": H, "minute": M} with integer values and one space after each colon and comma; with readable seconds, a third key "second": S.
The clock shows {"hour": 1, "minute": 54}
